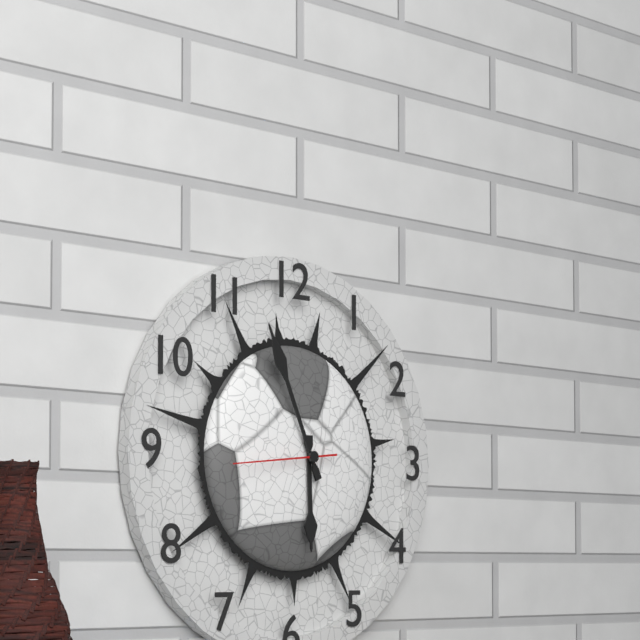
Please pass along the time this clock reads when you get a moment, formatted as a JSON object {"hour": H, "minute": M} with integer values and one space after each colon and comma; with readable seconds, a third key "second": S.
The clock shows {"hour": 5, "minute": 56, "second": 44}
